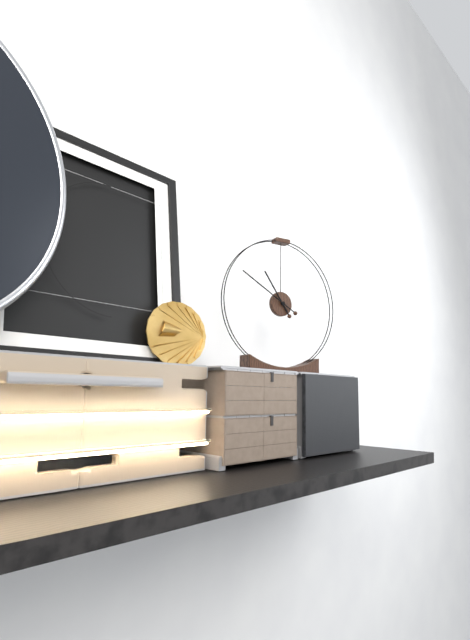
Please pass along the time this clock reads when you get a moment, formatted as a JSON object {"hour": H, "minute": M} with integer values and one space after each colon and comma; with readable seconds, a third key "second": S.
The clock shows {"hour": 10, "minute": 50}
